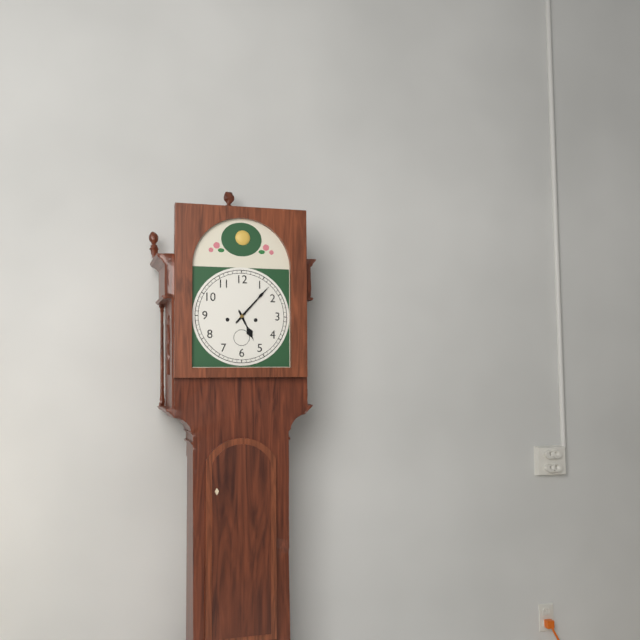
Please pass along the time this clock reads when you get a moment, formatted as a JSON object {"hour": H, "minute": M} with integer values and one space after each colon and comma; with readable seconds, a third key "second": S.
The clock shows {"hour": 5, "minute": 7}
